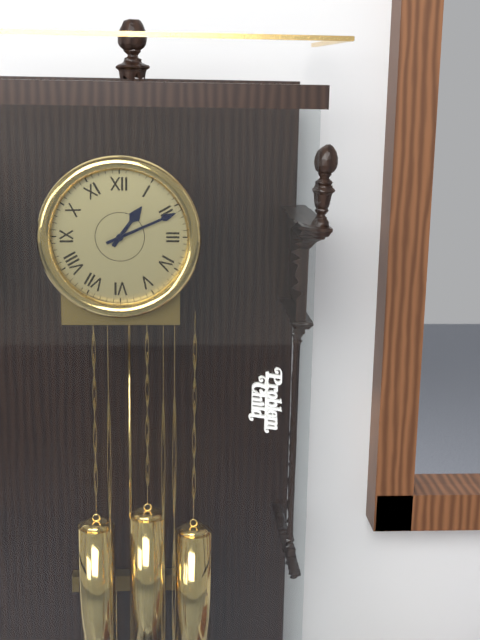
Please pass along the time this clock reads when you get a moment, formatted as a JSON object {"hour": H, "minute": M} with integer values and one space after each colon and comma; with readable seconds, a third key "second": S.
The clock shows {"hour": 1, "minute": 11}
